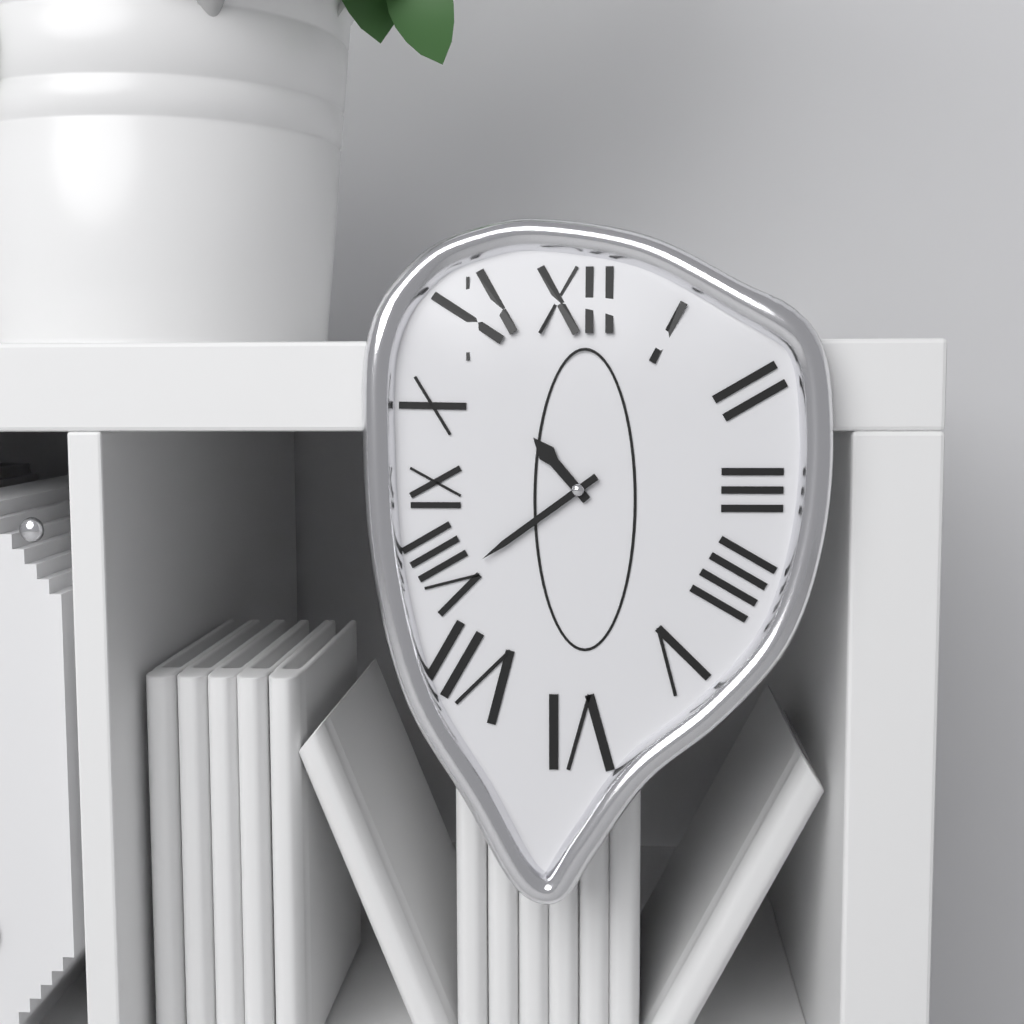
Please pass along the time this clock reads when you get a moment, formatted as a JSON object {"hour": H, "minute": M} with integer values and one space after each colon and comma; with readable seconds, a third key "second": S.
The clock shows {"hour": 10, "minute": 39}
